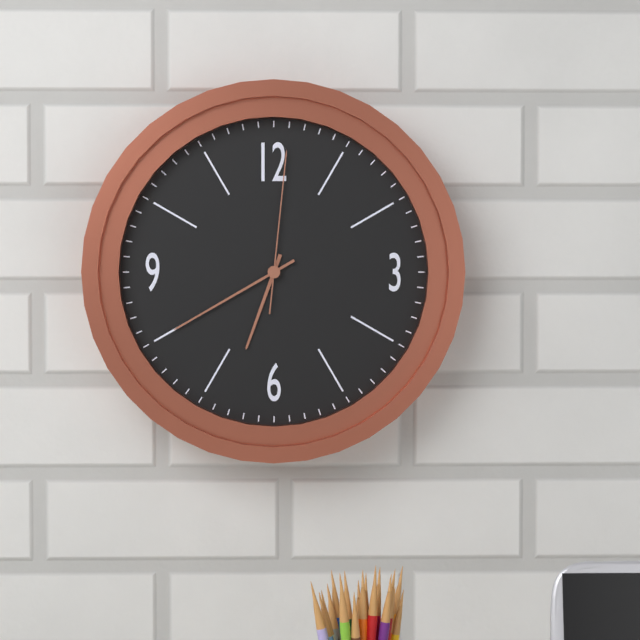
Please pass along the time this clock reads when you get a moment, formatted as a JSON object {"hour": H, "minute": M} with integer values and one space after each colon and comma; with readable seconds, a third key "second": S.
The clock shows {"hour": 6, "minute": 40, "second": 1}
